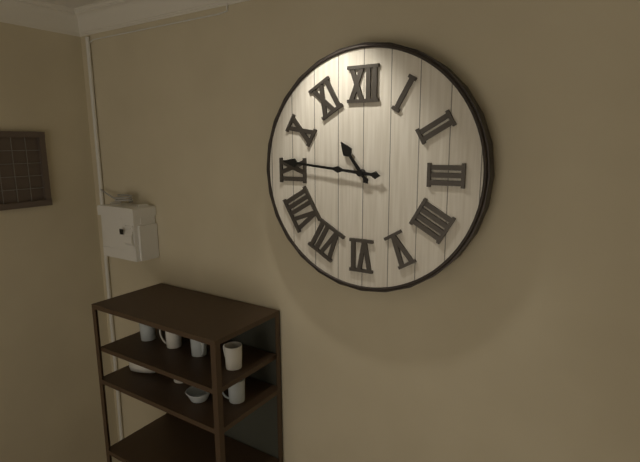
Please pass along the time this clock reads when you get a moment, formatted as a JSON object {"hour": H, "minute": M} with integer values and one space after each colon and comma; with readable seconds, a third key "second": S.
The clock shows {"hour": 10, "minute": 46}
